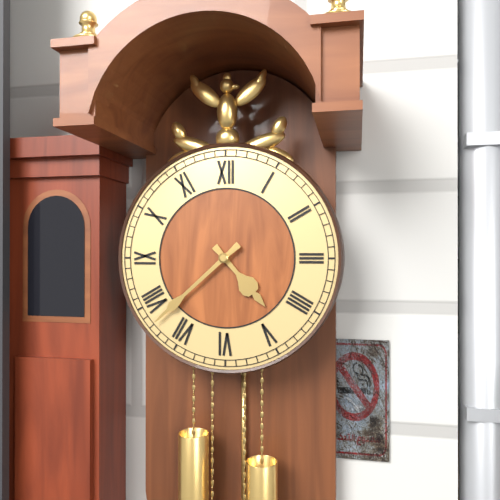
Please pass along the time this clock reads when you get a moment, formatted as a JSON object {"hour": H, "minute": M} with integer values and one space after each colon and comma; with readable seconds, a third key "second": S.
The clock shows {"hour": 4, "minute": 38}
